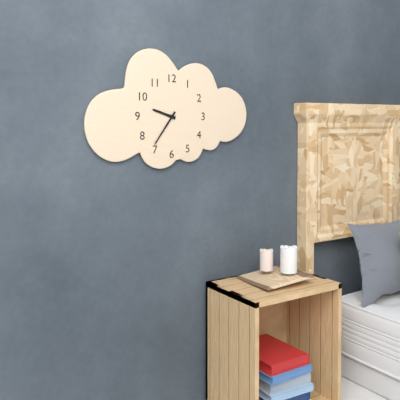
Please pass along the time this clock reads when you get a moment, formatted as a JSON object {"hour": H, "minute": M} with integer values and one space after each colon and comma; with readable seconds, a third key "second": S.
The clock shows {"hour": 9, "minute": 36}
